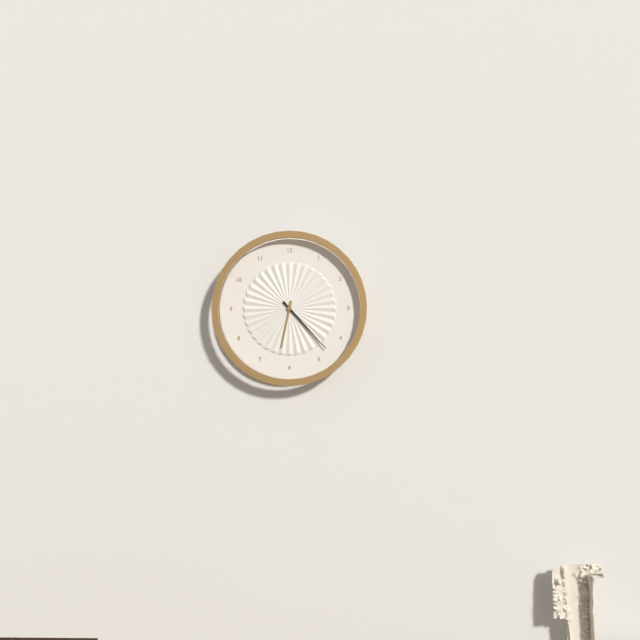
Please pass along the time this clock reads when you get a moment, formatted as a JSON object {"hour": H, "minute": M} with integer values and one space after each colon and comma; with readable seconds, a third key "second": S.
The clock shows {"hour": 6, "minute": 23}
